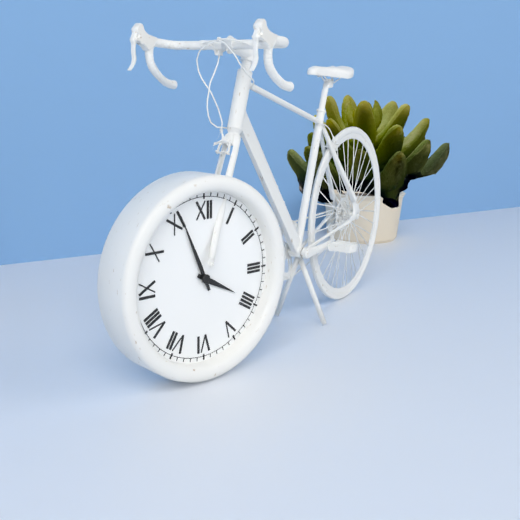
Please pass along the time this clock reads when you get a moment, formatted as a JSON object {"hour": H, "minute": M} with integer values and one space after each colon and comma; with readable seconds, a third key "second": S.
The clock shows {"hour": 3, "minute": 56}
